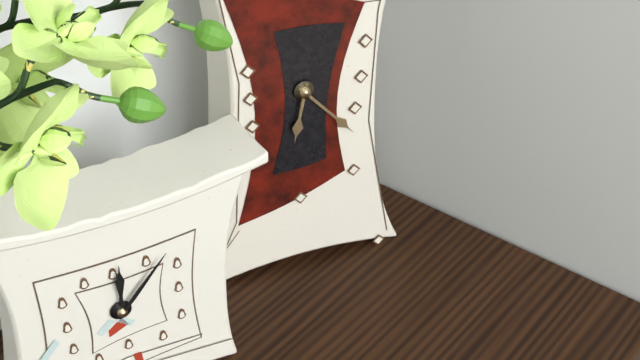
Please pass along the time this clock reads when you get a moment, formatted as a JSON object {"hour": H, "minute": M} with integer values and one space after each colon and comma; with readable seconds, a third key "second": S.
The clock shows {"hour": 6, "minute": 23}
